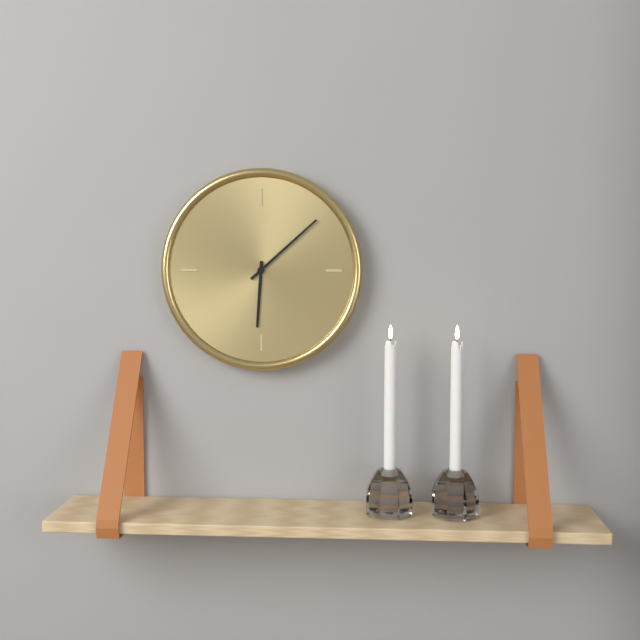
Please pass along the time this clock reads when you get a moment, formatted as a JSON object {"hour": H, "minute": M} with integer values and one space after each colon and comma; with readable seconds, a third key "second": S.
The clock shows {"hour": 6, "minute": 8}
